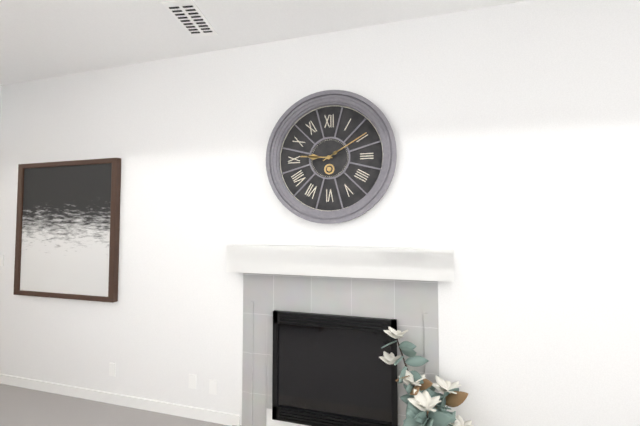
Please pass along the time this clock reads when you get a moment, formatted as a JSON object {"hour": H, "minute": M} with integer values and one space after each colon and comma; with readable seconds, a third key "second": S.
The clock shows {"hour": 9, "minute": 10}
